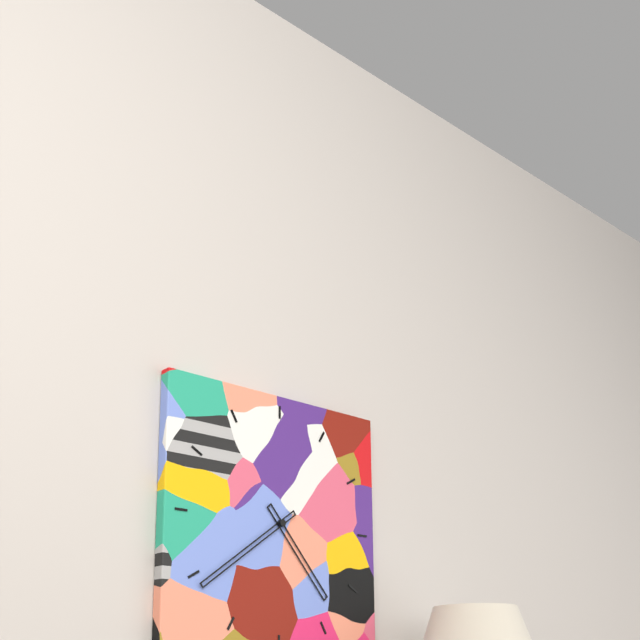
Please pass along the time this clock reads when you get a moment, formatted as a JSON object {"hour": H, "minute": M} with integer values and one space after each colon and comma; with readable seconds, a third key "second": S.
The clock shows {"hour": 4, "minute": 39}
